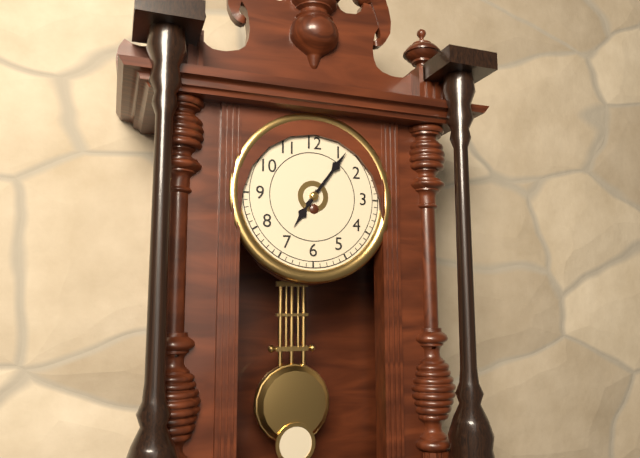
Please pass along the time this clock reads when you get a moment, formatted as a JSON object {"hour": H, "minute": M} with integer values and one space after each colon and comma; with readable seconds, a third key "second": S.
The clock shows {"hour": 7, "minute": 6}
